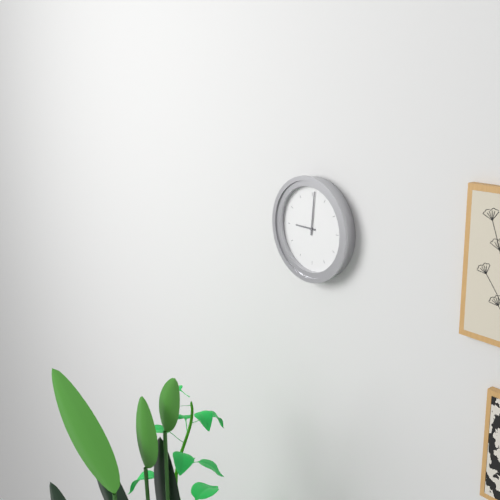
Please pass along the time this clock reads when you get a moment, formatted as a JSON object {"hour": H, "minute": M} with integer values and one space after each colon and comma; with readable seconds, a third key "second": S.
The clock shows {"hour": 9, "minute": 1}
